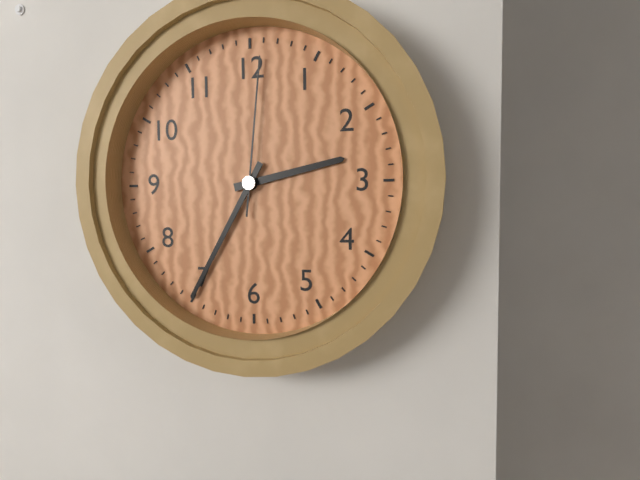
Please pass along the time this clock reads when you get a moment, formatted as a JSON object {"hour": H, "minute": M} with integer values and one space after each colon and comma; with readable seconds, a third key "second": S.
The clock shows {"hour": 2, "minute": 35, "second": 1}
